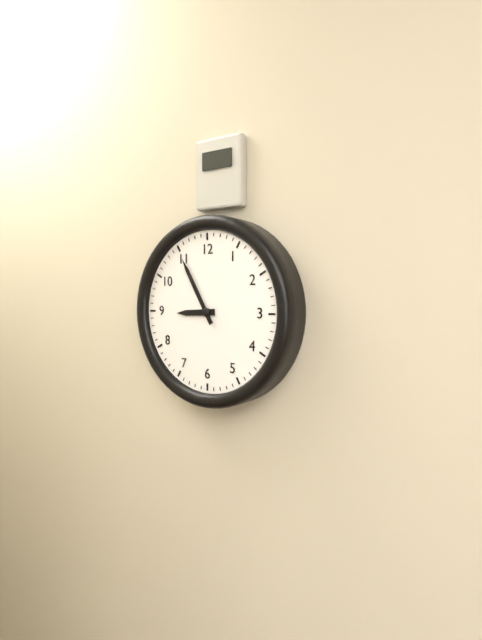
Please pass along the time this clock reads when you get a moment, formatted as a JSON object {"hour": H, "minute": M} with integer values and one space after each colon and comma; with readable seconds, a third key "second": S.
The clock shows {"hour": 8, "minute": 55}
